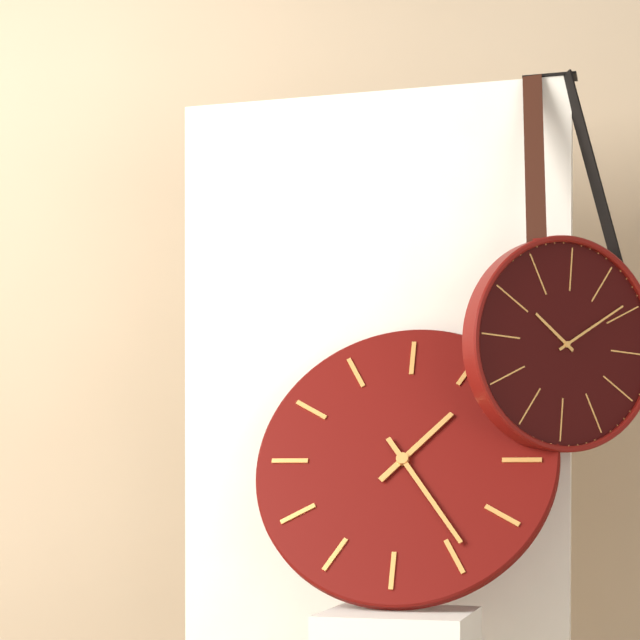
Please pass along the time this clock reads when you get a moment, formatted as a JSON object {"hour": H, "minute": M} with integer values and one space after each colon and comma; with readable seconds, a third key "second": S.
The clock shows {"hour": 1, "minute": 24}
